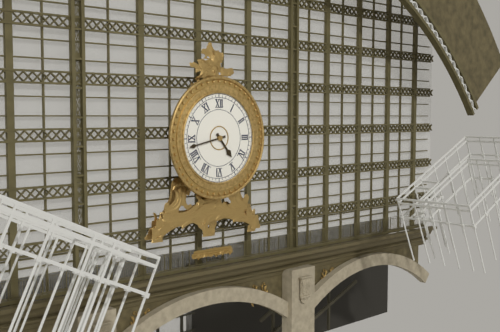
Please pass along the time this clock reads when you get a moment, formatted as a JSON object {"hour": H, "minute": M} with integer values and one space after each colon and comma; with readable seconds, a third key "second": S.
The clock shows {"hour": 4, "minute": 43}
